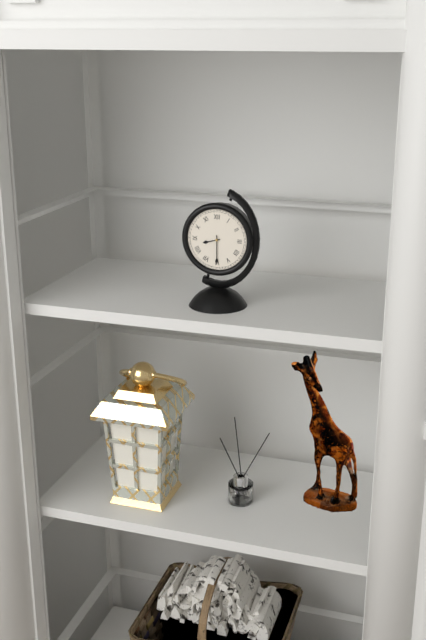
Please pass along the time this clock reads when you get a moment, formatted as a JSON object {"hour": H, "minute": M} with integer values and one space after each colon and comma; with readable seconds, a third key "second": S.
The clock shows {"hour": 8, "minute": 30}
